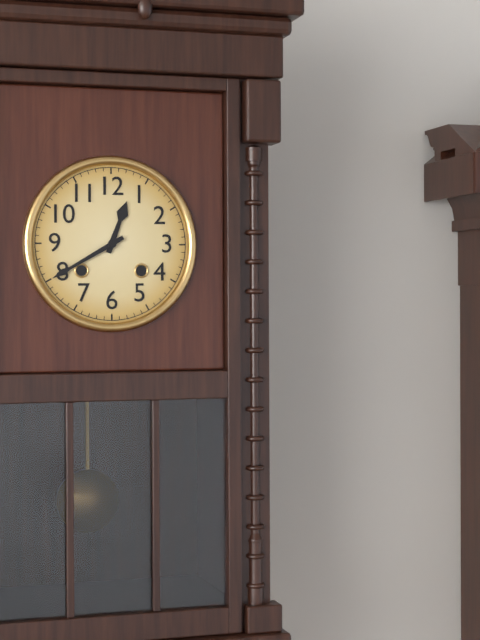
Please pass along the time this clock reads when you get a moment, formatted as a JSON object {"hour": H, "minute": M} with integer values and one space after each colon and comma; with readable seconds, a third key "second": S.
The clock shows {"hour": 12, "minute": 40}
